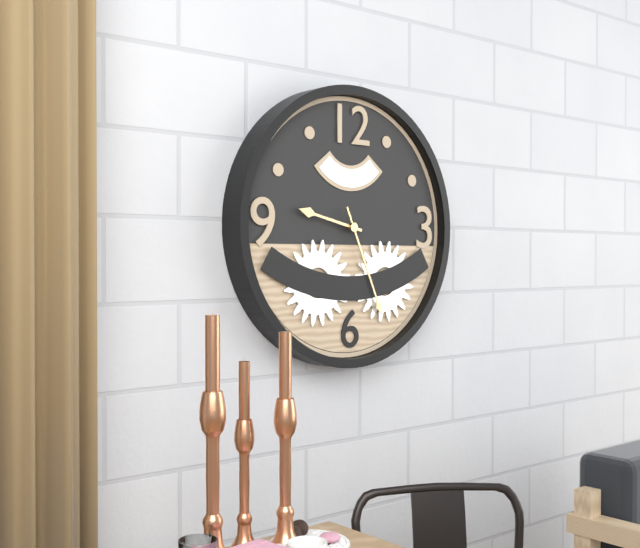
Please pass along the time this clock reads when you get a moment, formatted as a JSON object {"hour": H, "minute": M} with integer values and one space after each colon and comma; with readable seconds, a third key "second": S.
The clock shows {"hour": 9, "minute": 26}
